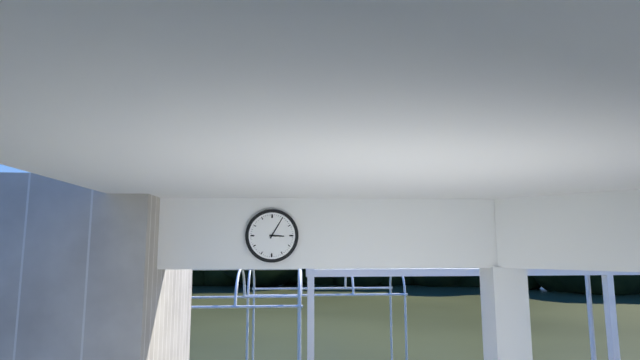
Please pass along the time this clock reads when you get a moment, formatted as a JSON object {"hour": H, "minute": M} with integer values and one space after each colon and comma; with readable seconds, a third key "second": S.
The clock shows {"hour": 3, "minute": 5}
